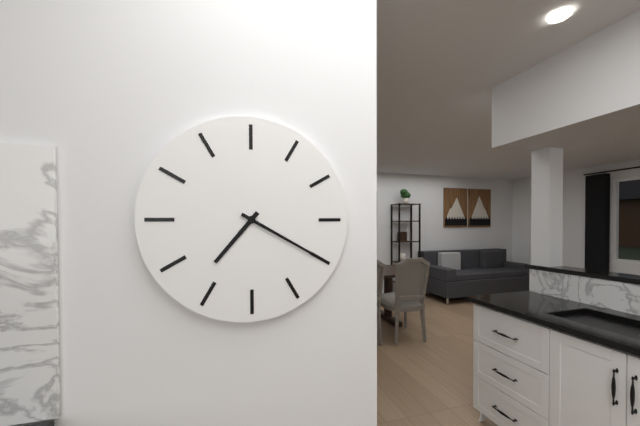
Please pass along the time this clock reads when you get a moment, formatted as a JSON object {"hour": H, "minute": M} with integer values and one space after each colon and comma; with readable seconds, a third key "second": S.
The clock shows {"hour": 7, "minute": 20}
